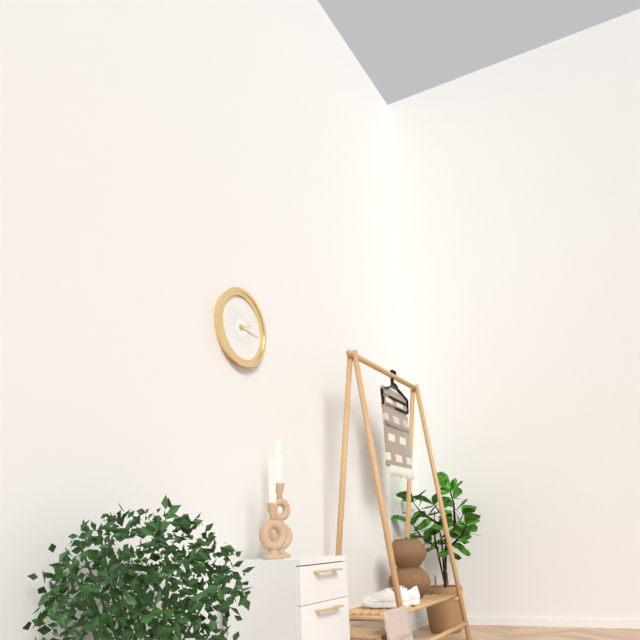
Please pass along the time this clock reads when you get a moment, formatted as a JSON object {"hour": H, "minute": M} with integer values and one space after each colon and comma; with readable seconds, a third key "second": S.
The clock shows {"hour": 2, "minute": 16}
